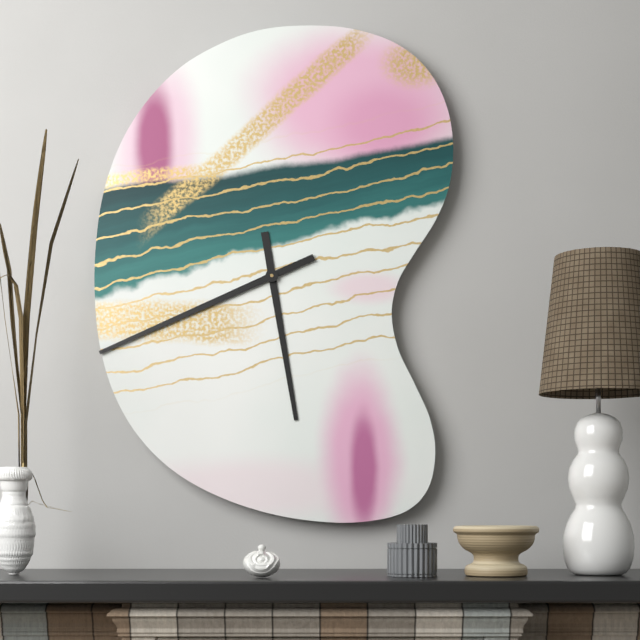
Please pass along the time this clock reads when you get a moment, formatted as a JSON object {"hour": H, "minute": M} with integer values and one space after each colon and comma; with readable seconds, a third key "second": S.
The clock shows {"hour": 5, "minute": 41}
